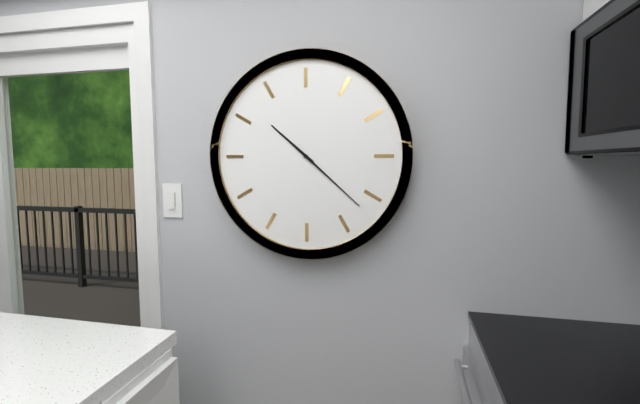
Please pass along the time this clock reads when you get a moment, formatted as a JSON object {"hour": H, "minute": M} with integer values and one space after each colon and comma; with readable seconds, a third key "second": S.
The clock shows {"hour": 10, "minute": 22}
